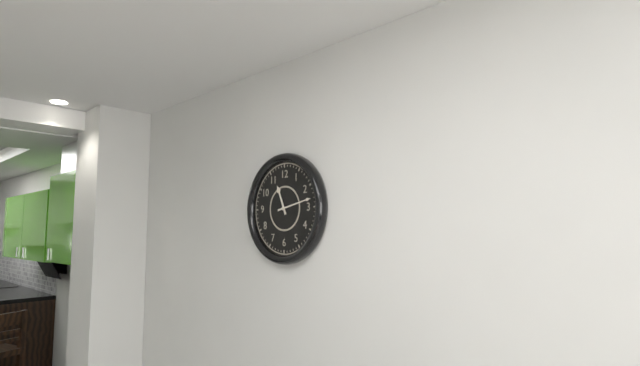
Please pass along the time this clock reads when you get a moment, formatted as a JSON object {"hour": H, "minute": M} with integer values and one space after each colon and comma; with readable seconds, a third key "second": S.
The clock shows {"hour": 11, "minute": 13}
